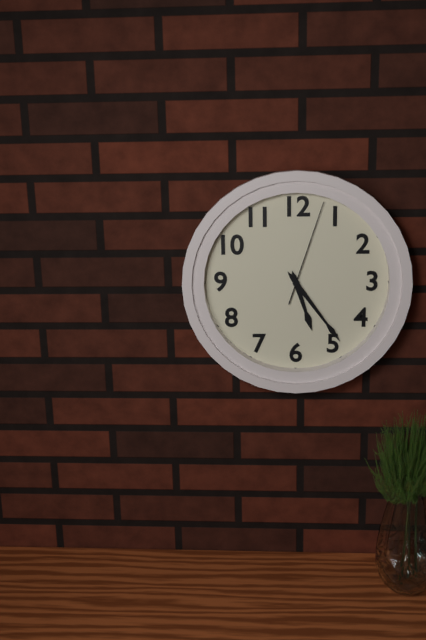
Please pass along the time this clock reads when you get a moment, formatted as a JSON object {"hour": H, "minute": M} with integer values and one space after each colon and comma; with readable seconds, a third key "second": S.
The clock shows {"hour": 5, "minute": 24, "second": 3}
